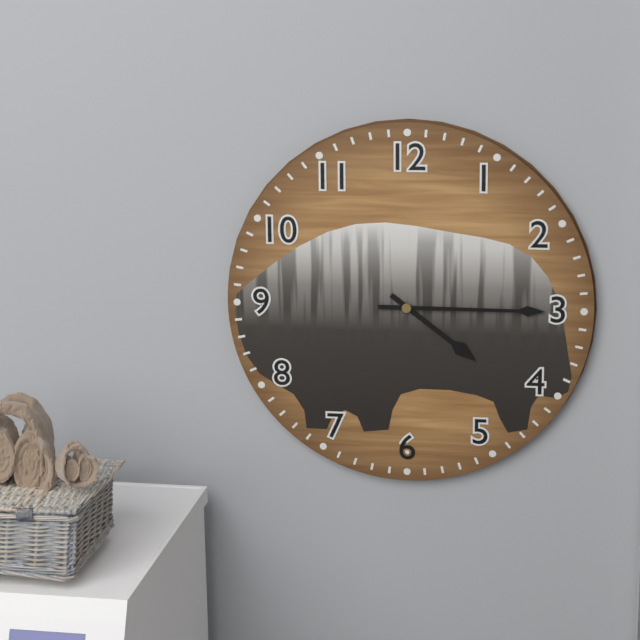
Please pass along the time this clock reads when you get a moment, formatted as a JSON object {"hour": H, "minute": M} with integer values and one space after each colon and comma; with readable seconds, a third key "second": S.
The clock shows {"hour": 4, "minute": 15}
